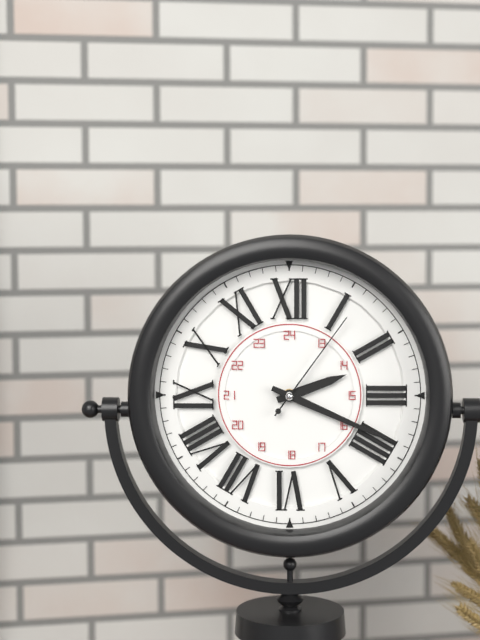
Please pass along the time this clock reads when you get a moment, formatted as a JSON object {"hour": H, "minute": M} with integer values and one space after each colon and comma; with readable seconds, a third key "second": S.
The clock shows {"hour": 2, "minute": 19, "second": 6}
